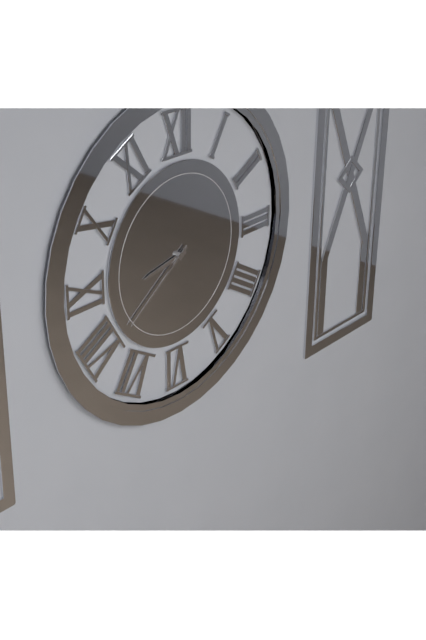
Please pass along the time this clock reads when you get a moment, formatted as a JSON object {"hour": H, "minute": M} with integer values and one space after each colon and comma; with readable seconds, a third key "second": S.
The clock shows {"hour": 8, "minute": 39}
